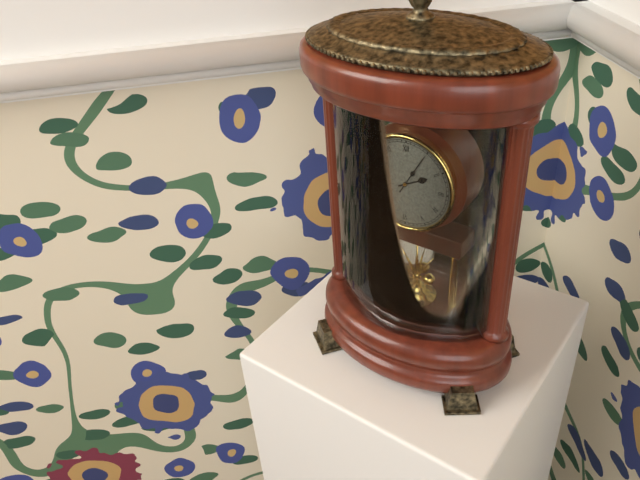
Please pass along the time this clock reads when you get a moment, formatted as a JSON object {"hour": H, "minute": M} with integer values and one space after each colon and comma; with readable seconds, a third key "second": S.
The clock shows {"hour": 2, "minute": 5}
